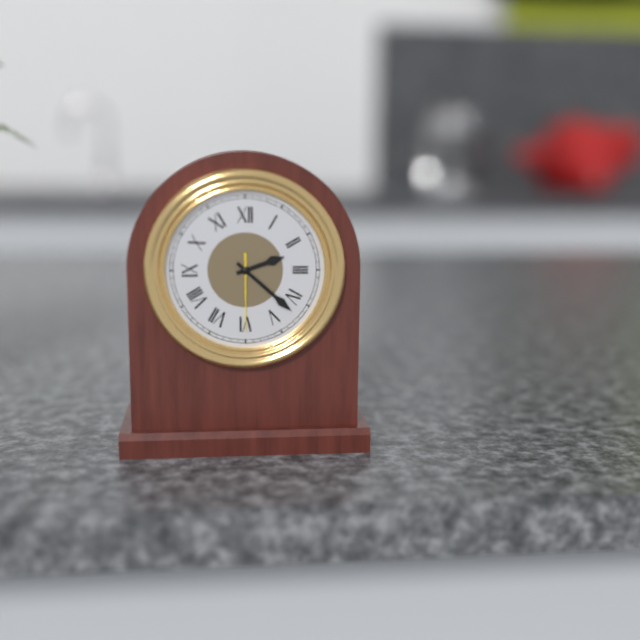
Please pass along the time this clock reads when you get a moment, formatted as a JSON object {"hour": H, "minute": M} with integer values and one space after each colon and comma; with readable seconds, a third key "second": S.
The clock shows {"hour": 2, "minute": 22, "second": 30}
